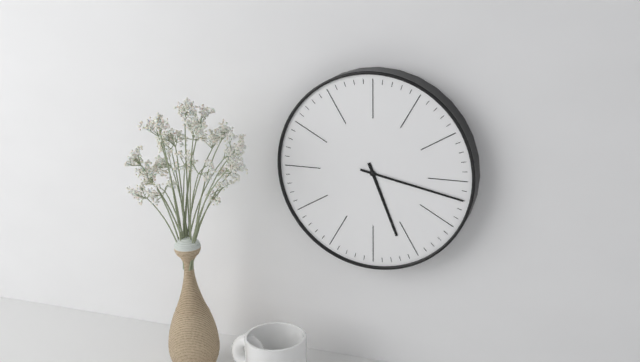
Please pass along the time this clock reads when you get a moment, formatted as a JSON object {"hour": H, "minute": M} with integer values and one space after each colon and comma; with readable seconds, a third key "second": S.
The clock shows {"hour": 5, "minute": 17}
